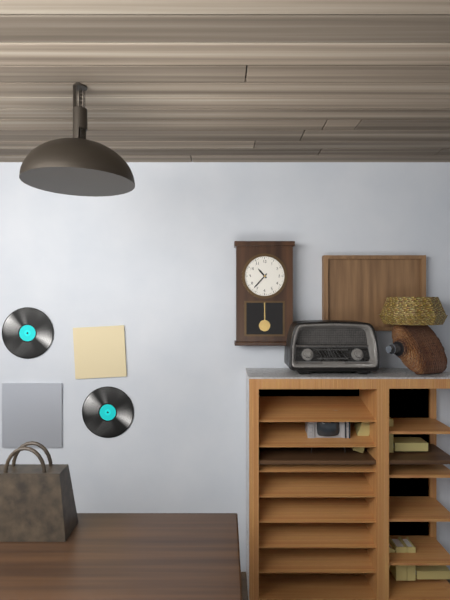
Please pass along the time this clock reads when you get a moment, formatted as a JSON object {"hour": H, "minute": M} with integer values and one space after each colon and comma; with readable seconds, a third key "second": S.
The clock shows {"hour": 10, "minute": 37}
